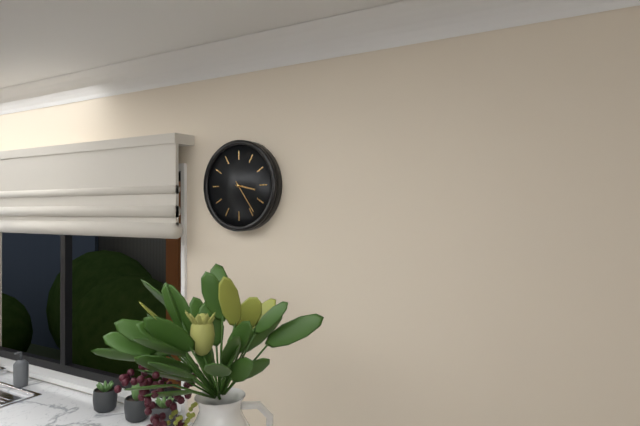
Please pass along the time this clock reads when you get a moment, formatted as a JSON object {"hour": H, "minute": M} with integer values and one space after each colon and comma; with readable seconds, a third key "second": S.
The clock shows {"hour": 3, "minute": 24}
